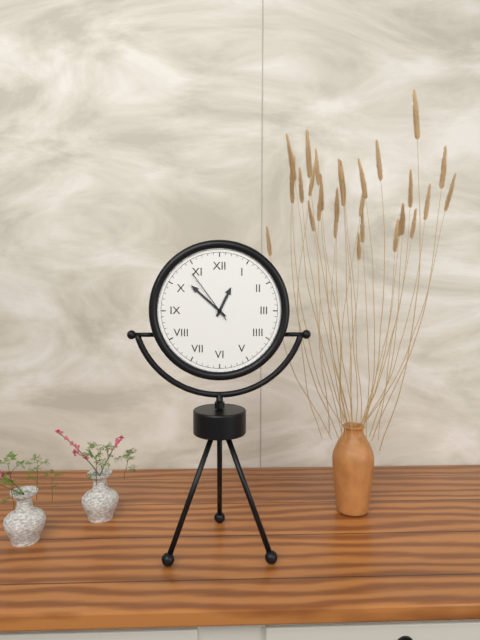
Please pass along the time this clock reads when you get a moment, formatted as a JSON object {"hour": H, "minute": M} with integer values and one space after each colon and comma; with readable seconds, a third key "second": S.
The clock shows {"hour": 12, "minute": 52, "second": 54}
